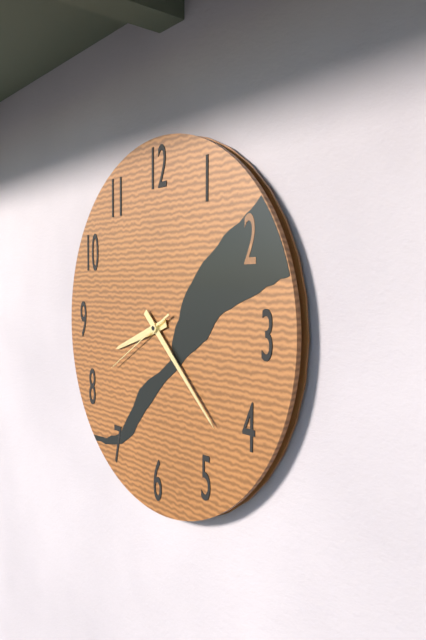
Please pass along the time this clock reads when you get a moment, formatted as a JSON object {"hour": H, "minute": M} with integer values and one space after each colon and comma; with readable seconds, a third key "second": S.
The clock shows {"hour": 8, "minute": 22, "second": 40}
